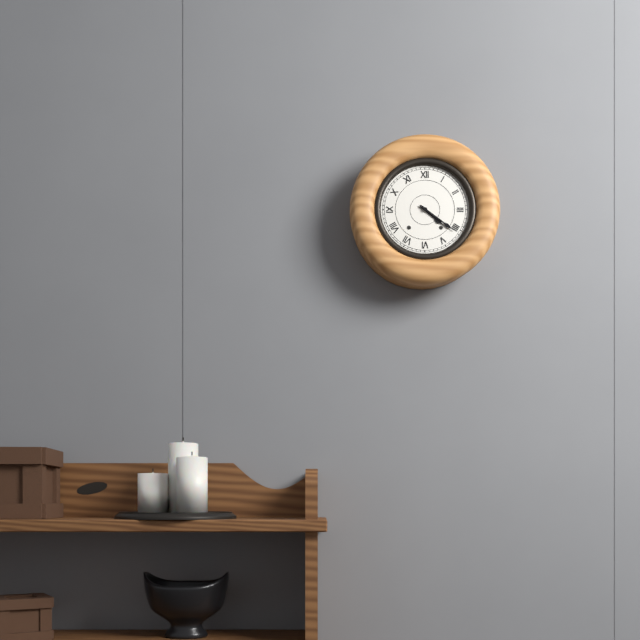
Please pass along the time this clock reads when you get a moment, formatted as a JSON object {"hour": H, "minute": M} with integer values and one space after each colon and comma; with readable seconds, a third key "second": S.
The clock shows {"hour": 4, "minute": 21}
